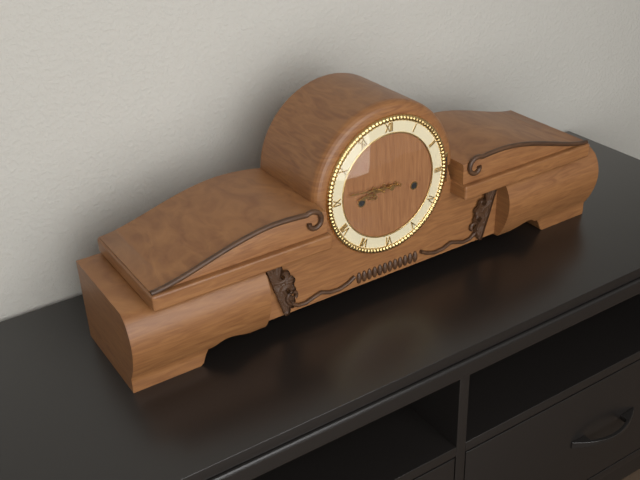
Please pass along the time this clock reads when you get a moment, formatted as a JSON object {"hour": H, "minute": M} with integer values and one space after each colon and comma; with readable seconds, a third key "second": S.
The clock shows {"hour": 8, "minute": 46}
